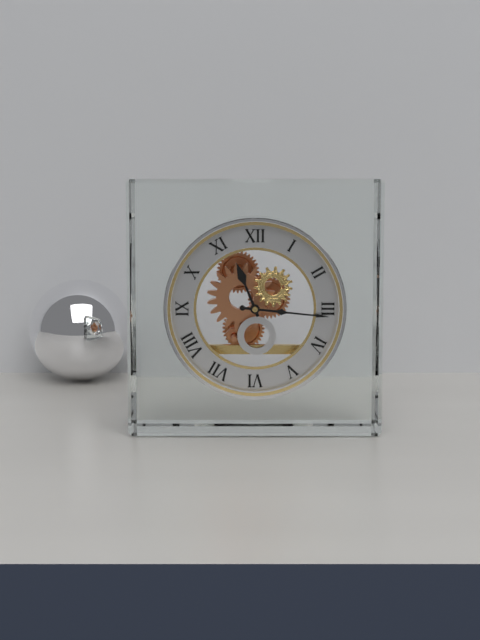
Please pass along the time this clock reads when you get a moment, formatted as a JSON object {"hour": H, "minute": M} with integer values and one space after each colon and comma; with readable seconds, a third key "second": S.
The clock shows {"hour": 11, "minute": 16}
